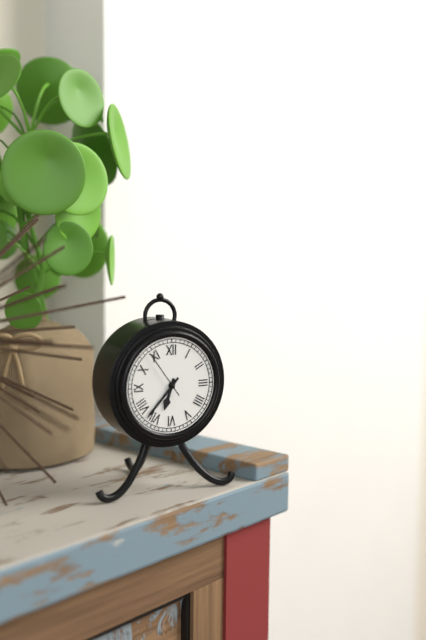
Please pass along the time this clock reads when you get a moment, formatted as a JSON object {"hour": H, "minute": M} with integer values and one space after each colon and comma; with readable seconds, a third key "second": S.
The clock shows {"hour": 6, "minute": 37}
